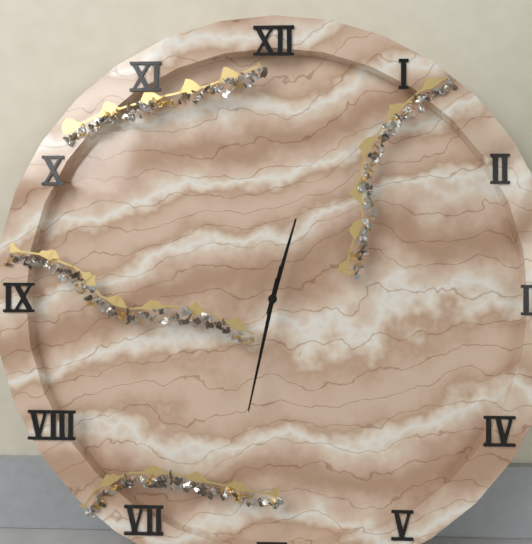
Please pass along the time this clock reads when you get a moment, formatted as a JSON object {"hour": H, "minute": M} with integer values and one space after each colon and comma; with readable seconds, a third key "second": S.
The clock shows {"hour": 12, "minute": 32, "second": 32}
